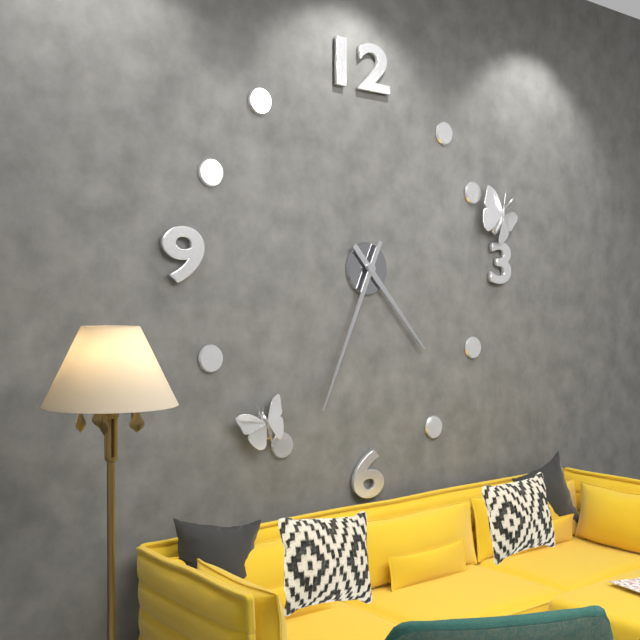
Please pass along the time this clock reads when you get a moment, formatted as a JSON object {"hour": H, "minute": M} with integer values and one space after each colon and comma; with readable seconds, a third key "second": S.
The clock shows {"hour": 4, "minute": 34}
